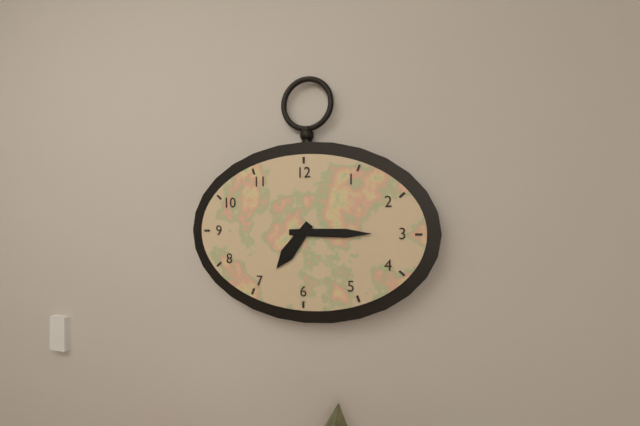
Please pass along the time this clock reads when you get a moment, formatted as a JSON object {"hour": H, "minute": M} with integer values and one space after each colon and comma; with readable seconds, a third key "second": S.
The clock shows {"hour": 7, "minute": 15}
